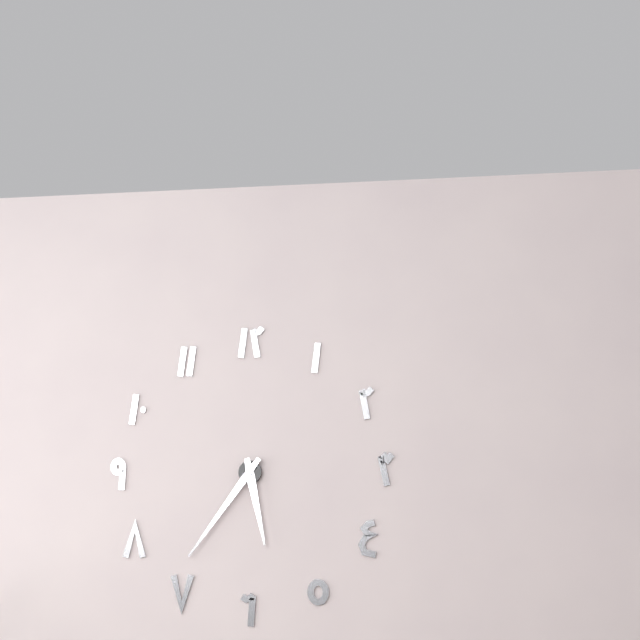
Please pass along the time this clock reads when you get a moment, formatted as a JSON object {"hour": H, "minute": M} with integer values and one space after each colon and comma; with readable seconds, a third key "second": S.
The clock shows {"hour": 5, "minute": 36}
